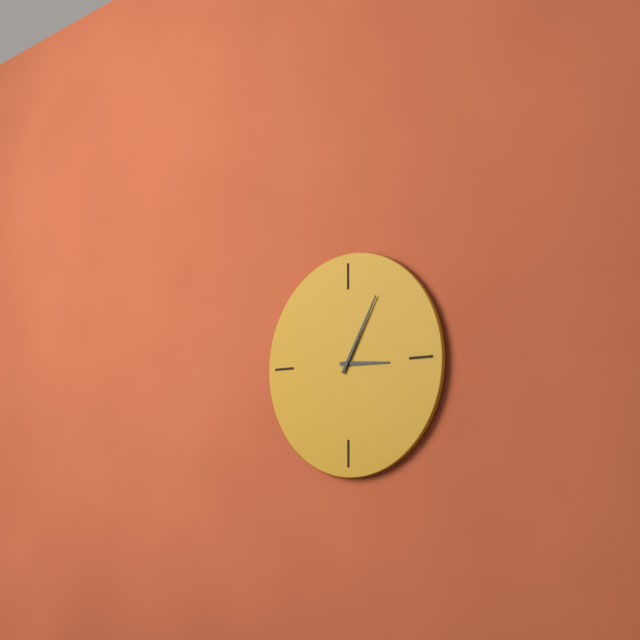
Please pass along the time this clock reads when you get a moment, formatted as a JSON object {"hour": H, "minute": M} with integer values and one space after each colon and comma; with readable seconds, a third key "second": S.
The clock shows {"hour": 3, "minute": 5}
